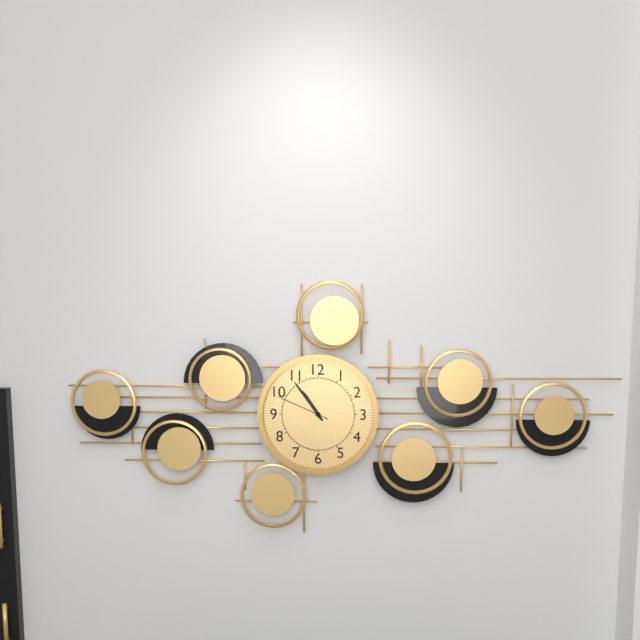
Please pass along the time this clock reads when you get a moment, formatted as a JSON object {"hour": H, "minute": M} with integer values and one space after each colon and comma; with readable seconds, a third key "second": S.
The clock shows {"hour": 10, "minute": 54, "second": 49}
